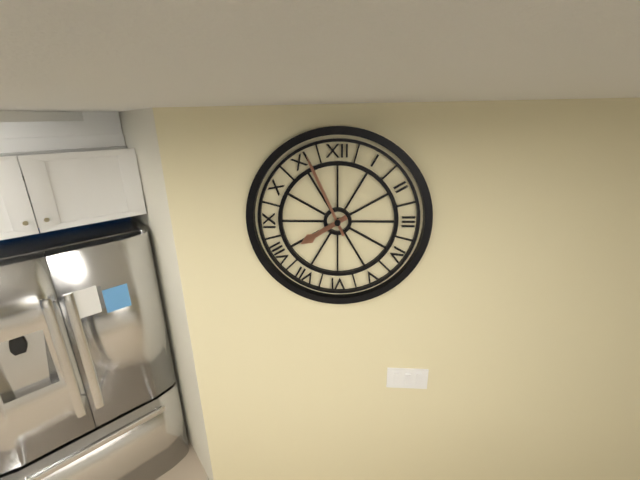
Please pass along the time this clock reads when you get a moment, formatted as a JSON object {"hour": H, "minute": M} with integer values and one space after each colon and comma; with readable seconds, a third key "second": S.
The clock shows {"hour": 7, "minute": 56}
